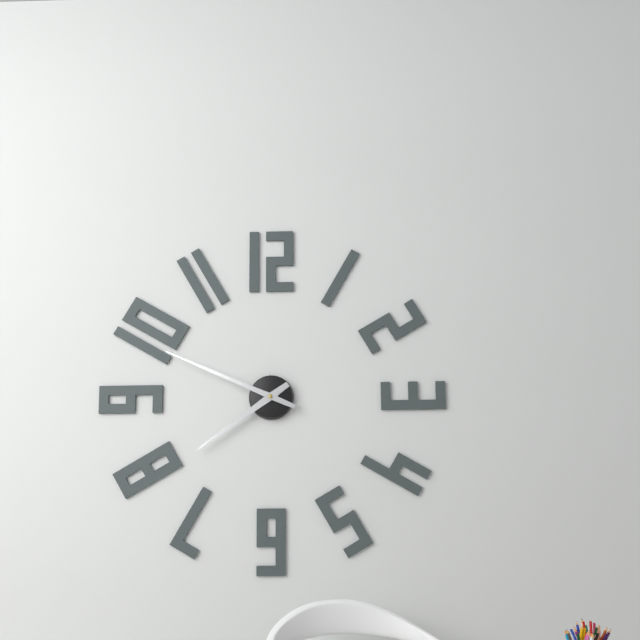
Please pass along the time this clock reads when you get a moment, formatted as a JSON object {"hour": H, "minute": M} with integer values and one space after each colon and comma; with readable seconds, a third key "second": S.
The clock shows {"hour": 7, "minute": 49}
